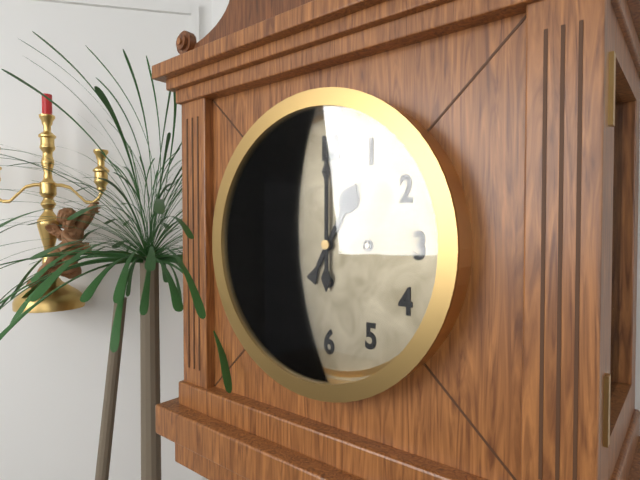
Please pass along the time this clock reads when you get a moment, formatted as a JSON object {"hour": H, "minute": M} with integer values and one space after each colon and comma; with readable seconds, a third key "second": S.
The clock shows {"hour": 1, "minute": 0}
